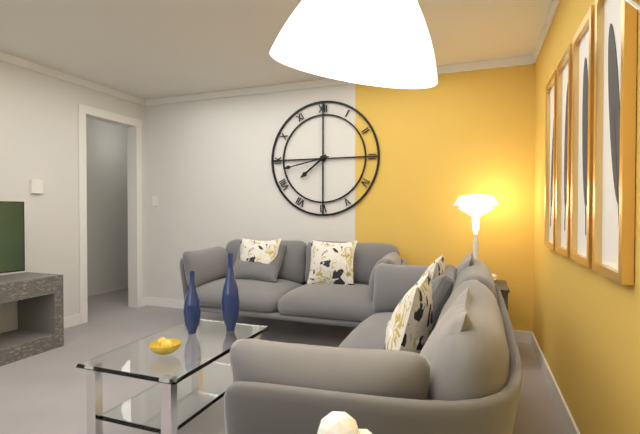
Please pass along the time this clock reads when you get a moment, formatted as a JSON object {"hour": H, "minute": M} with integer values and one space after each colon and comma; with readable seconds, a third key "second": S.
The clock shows {"hour": 7, "minute": 43}
